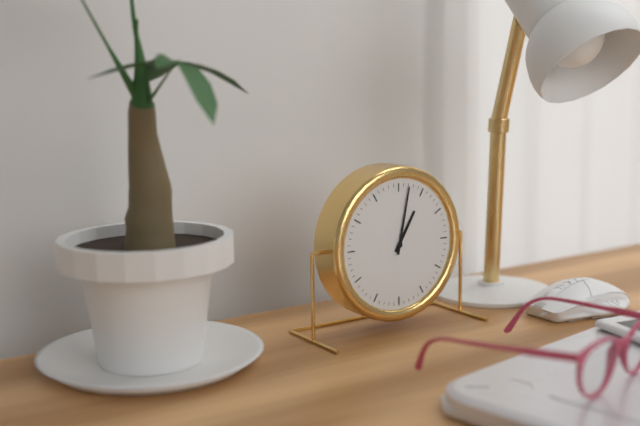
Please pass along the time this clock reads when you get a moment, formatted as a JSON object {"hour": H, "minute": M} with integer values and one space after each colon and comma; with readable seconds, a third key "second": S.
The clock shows {"hour": 1, "minute": 2}
